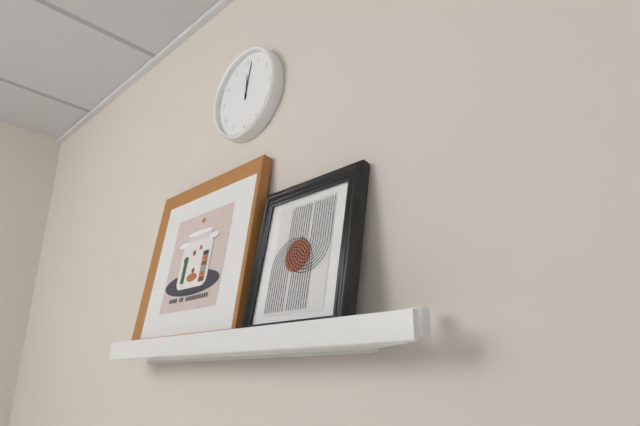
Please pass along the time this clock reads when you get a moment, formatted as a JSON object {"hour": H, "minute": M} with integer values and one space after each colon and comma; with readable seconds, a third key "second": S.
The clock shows {"hour": 12, "minute": 2}
